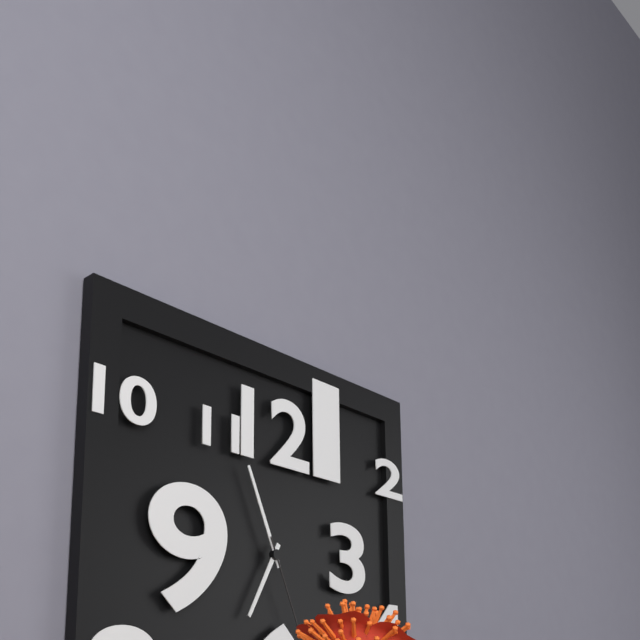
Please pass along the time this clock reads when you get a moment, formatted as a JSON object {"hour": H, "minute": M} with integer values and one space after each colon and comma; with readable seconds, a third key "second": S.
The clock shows {"hour": 6, "minute": 56, "second": 26}
